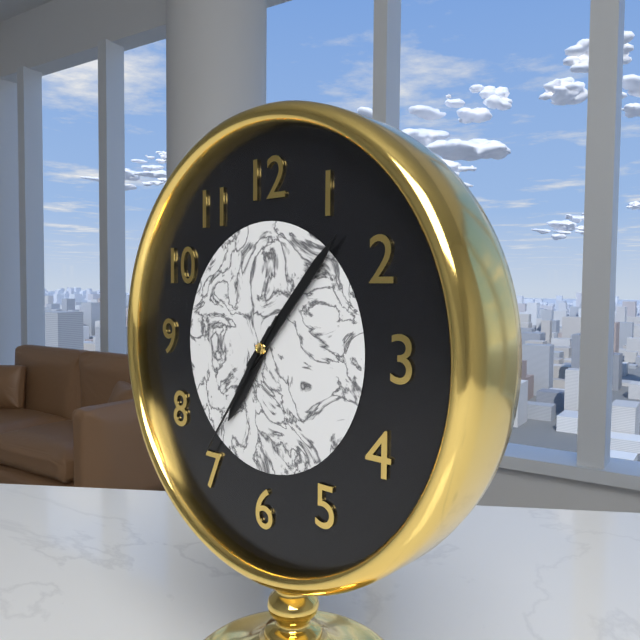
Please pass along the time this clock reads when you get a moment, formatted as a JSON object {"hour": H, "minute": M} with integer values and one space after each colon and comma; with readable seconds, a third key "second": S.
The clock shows {"hour": 7, "minute": 7, "second": 36}
